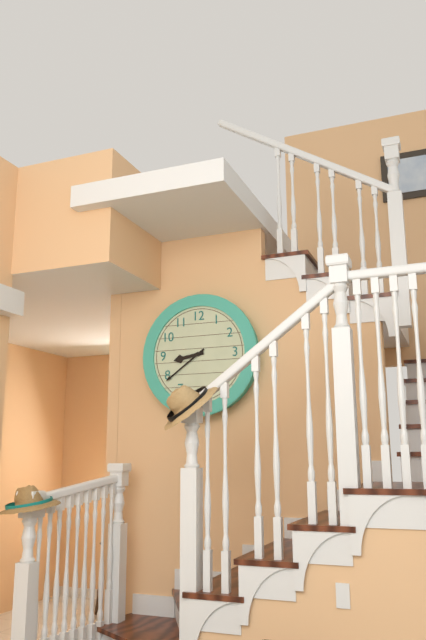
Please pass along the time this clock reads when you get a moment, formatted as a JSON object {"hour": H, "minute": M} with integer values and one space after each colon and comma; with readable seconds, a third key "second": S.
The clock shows {"hour": 8, "minute": 39}
